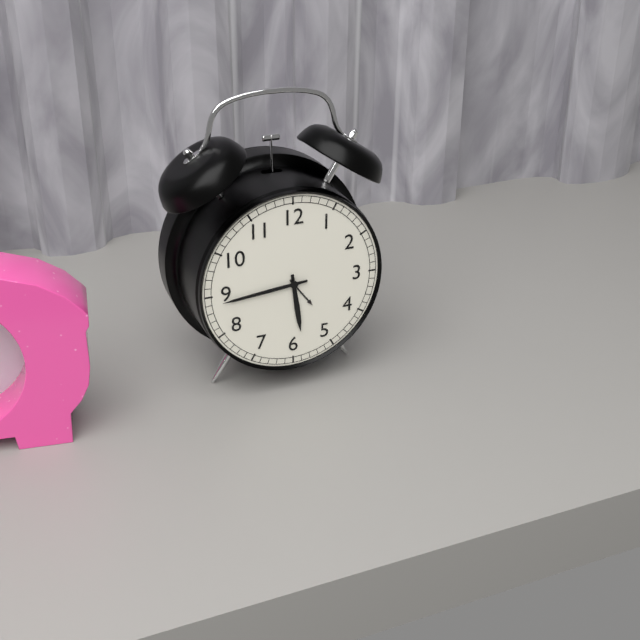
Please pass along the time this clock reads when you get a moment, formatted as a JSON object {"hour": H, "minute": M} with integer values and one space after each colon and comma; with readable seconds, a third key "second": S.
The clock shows {"hour": 5, "minute": 44}
